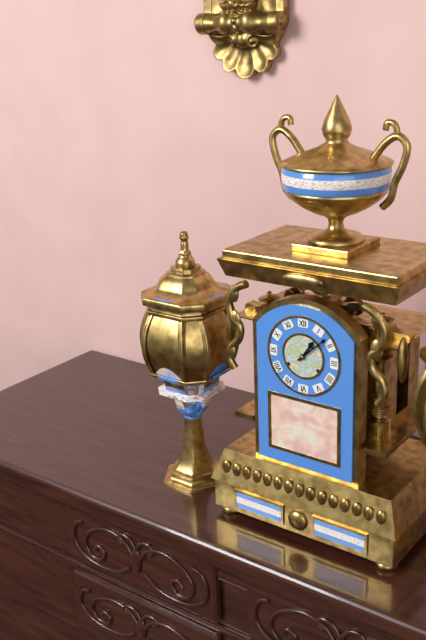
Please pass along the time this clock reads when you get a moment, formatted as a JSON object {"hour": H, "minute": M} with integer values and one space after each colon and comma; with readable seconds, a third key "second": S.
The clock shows {"hour": 1, "minute": 8}
